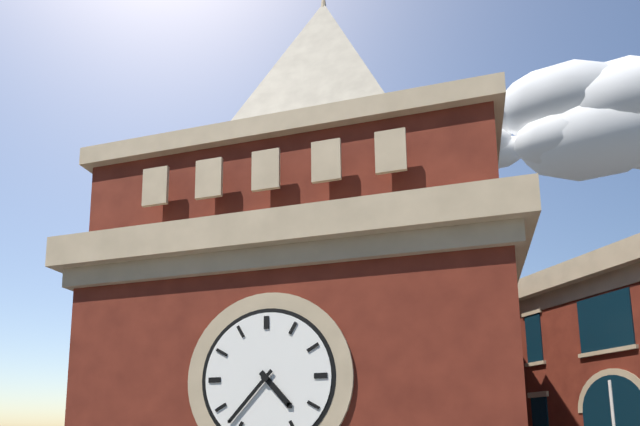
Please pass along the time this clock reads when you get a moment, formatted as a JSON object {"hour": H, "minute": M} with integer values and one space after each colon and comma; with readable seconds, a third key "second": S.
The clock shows {"hour": 4, "minute": 37}
